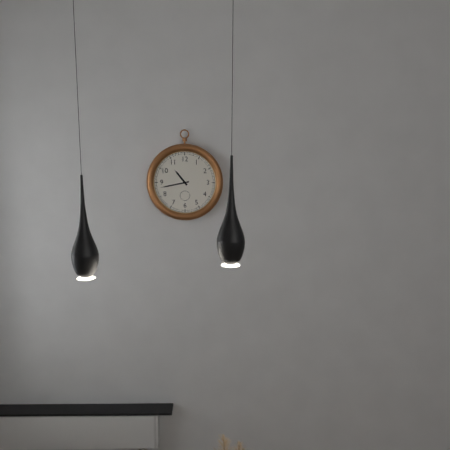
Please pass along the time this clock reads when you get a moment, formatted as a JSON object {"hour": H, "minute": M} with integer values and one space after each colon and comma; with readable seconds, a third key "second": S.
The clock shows {"hour": 10, "minute": 43}
